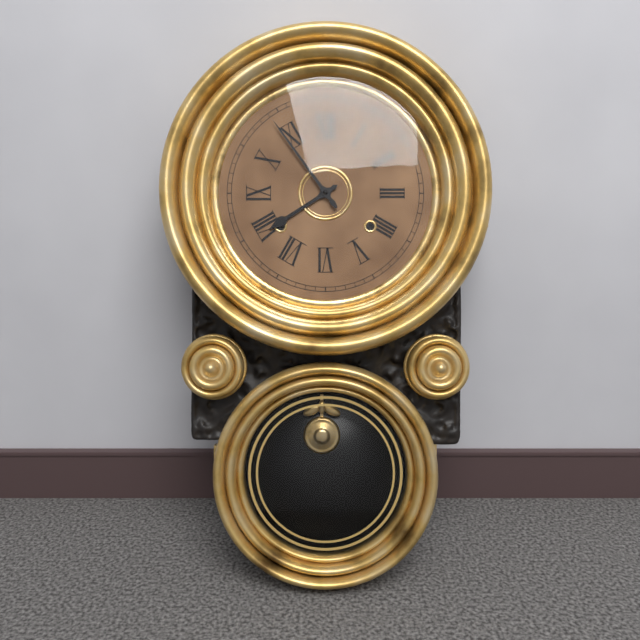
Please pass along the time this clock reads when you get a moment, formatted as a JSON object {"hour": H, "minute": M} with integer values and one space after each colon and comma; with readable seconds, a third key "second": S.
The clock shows {"hour": 7, "minute": 54}
